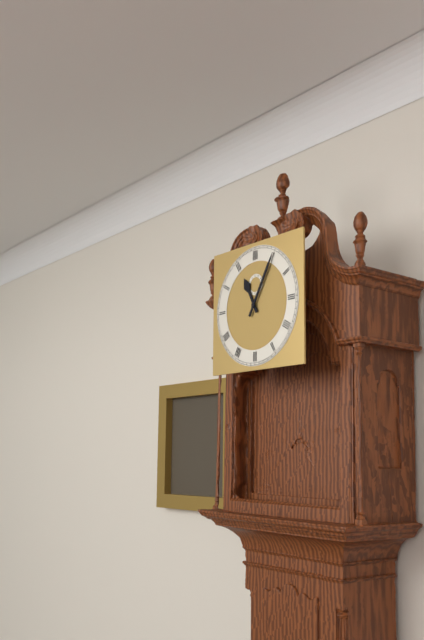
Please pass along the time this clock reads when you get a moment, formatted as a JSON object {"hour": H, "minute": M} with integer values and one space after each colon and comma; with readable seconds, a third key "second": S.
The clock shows {"hour": 11, "minute": 5}
